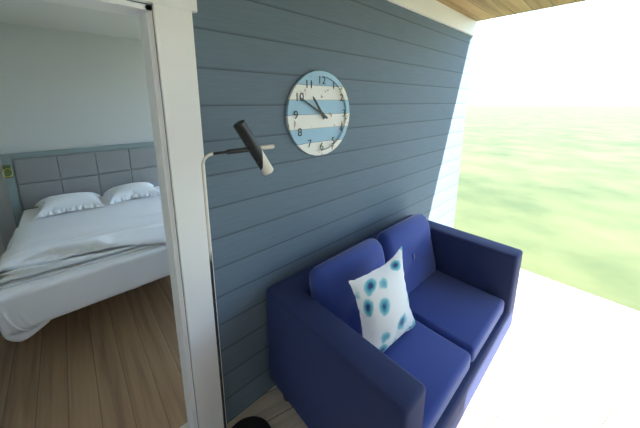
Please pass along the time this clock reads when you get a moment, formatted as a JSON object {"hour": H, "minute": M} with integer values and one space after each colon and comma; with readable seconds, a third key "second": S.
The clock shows {"hour": 10, "minute": 50}
